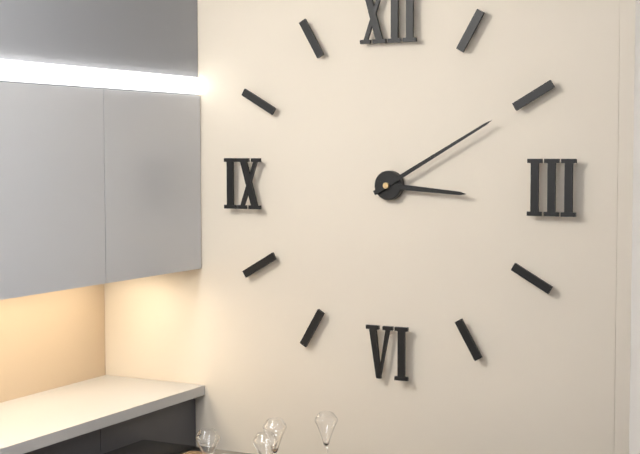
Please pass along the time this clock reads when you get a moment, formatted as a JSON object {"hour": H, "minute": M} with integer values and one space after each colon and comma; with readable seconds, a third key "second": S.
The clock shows {"hour": 3, "minute": 10}
